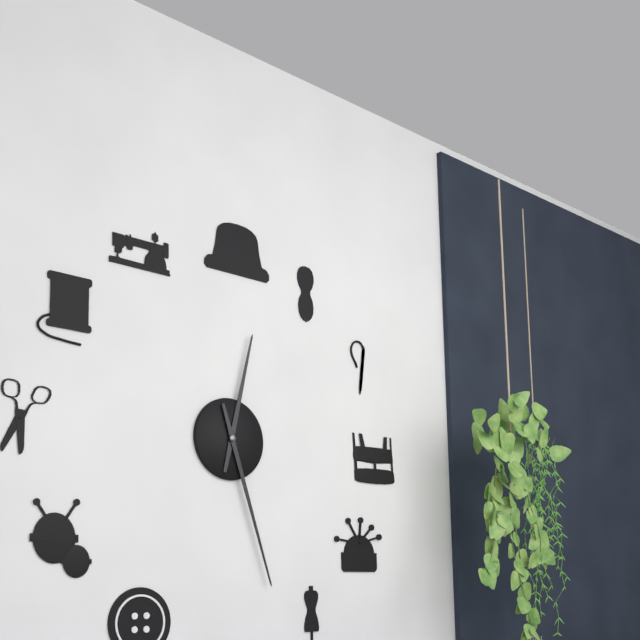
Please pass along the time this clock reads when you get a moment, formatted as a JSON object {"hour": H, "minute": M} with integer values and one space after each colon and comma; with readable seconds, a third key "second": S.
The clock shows {"hour": 12, "minute": 27}
